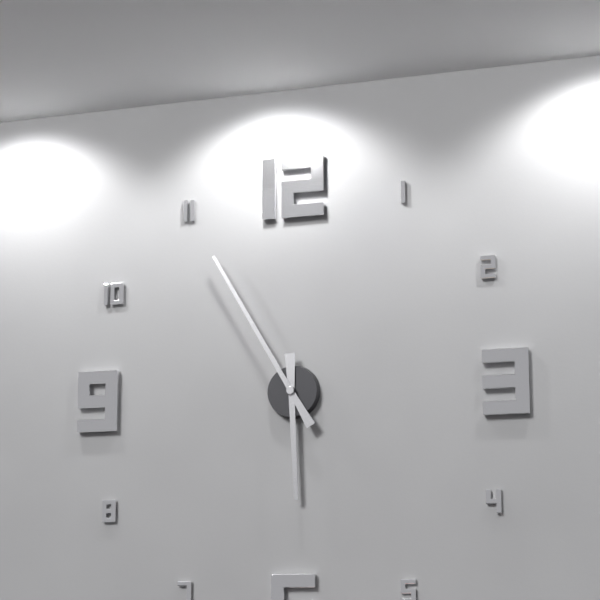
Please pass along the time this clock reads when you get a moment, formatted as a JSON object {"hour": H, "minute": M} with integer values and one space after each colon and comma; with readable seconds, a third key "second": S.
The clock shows {"hour": 5, "minute": 55}
